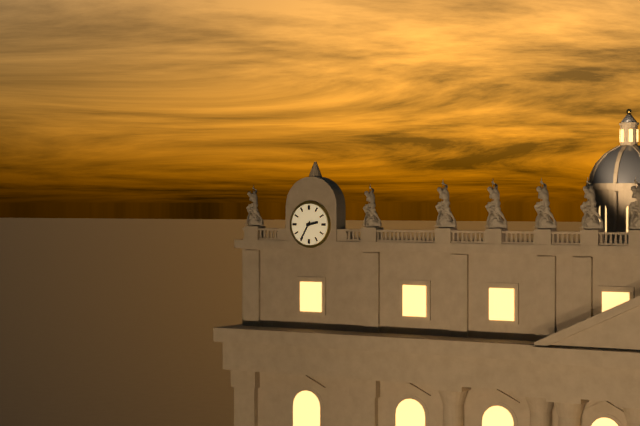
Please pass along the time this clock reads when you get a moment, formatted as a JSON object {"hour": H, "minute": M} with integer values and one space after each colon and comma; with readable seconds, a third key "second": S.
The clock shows {"hour": 2, "minute": 35}
